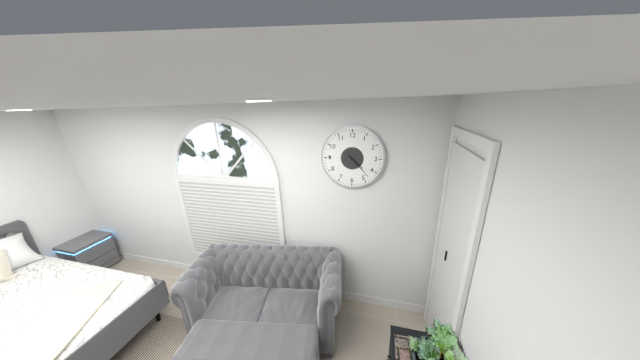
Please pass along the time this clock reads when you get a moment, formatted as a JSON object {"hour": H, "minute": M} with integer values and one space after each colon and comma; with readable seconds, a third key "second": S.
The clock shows {"hour": 4, "minute": 23}
